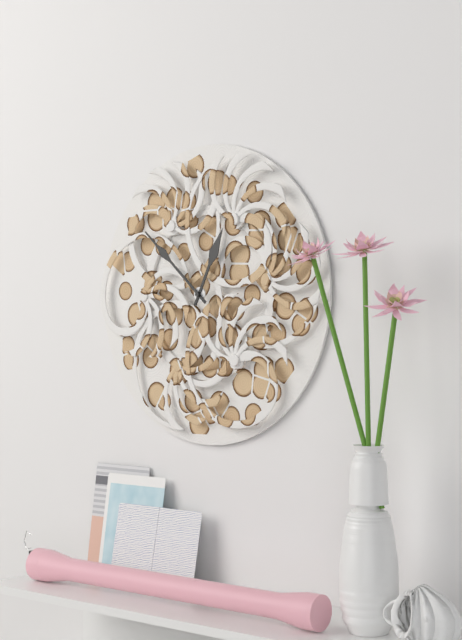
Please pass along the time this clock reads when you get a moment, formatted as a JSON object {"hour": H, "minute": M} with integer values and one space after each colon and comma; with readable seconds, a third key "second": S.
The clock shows {"hour": 12, "minute": 52}
